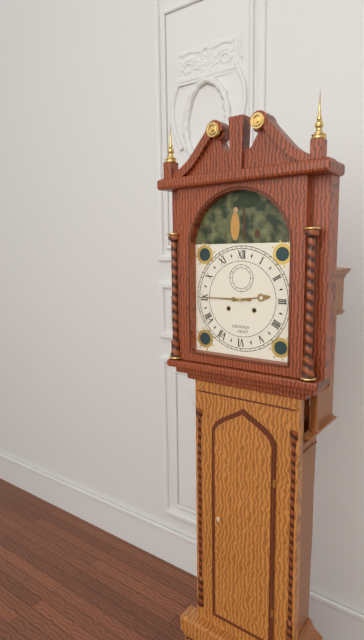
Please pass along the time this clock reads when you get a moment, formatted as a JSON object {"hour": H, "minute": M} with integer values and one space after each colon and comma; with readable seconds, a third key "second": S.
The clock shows {"hour": 2, "minute": 45}
